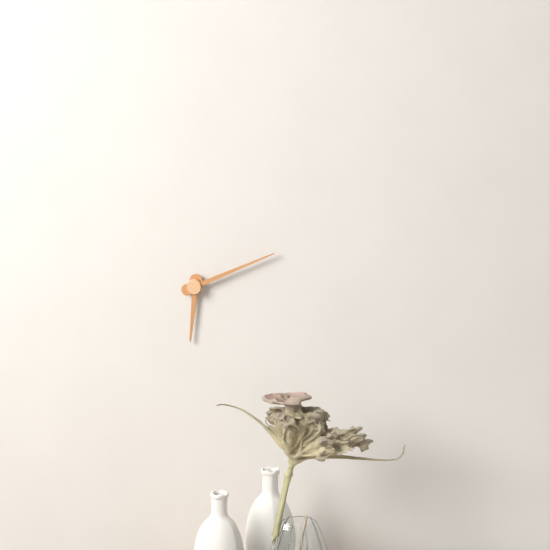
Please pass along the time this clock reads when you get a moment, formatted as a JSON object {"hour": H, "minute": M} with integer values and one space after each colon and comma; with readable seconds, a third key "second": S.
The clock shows {"hour": 6, "minute": 11}
